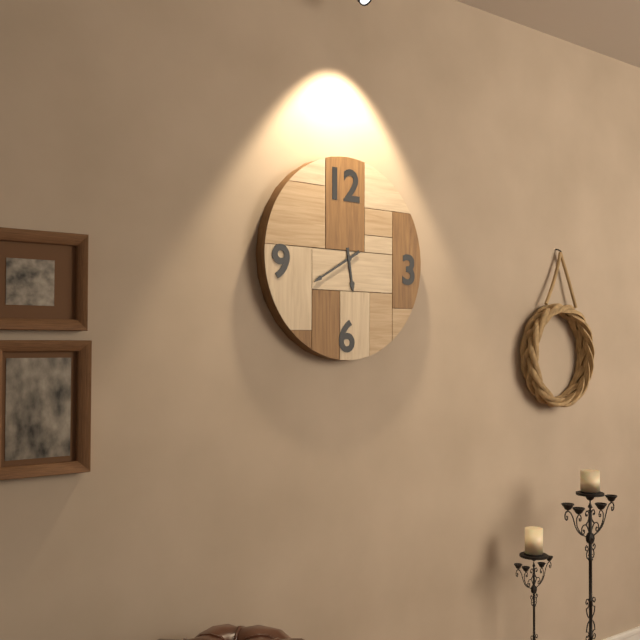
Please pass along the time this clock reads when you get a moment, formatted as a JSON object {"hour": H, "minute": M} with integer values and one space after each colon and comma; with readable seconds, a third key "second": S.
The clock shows {"hour": 5, "minute": 40}
